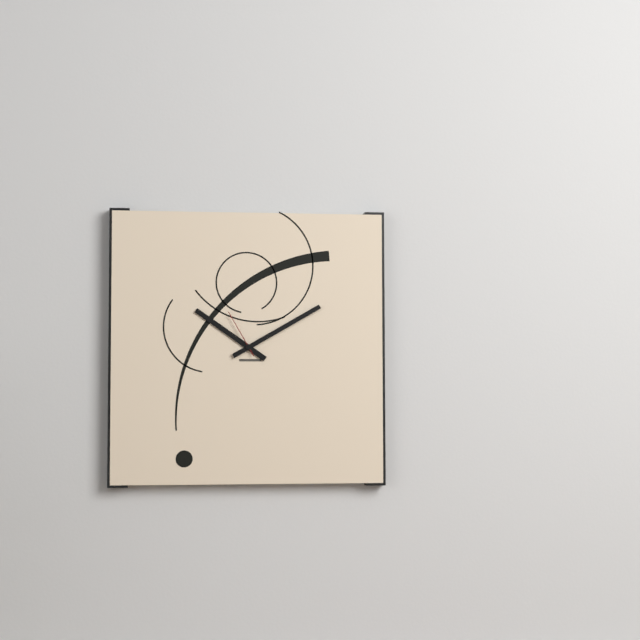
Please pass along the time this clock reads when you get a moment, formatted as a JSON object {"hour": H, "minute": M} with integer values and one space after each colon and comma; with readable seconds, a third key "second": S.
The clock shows {"hour": 10, "minute": 10, "second": 55}
